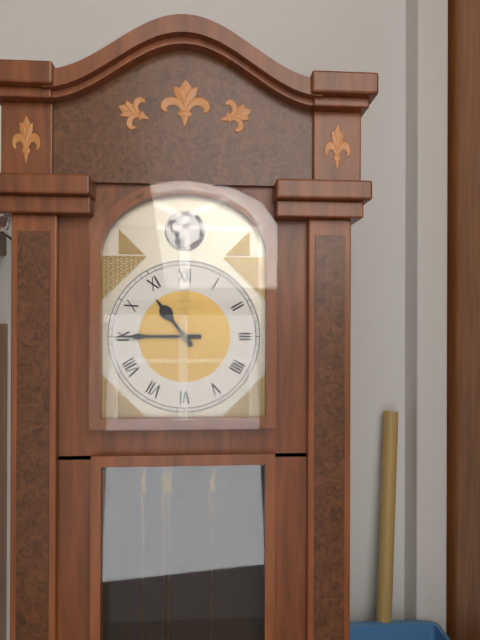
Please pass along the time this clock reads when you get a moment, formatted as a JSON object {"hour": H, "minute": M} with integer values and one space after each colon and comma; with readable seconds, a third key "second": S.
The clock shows {"hour": 10, "minute": 45}
